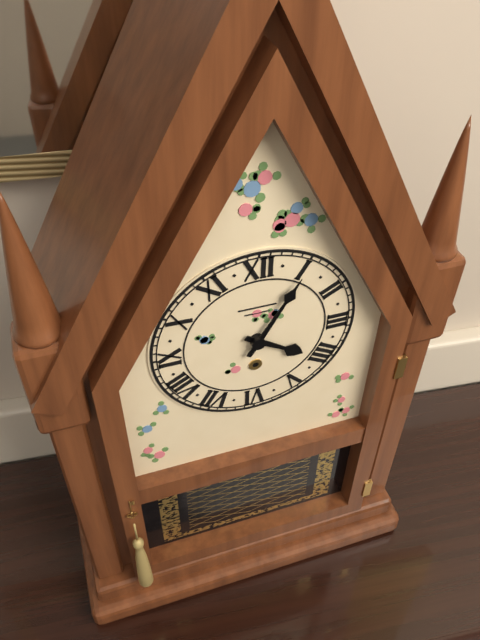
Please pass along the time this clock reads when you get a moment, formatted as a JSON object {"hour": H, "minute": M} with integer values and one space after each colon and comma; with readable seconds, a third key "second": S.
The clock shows {"hour": 4, "minute": 5}
